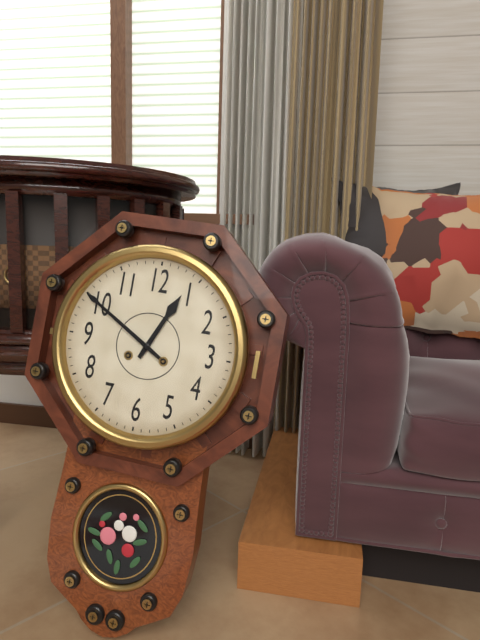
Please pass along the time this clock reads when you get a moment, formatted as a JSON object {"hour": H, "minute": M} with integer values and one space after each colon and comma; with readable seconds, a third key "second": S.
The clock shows {"hour": 12, "minute": 50}
